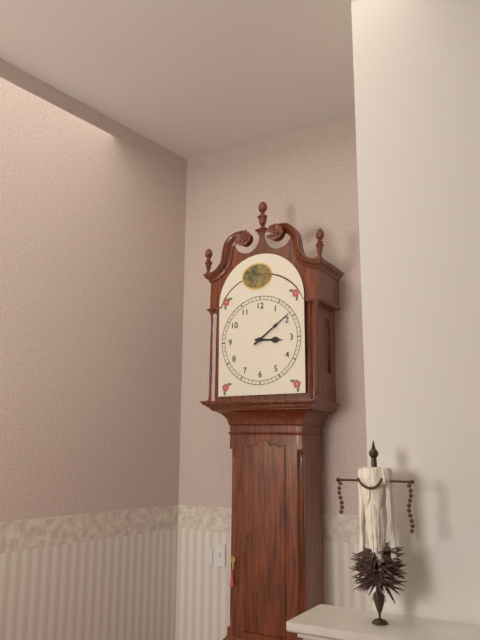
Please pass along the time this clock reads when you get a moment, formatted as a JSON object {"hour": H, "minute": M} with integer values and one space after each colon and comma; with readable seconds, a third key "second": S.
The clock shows {"hour": 3, "minute": 9}
